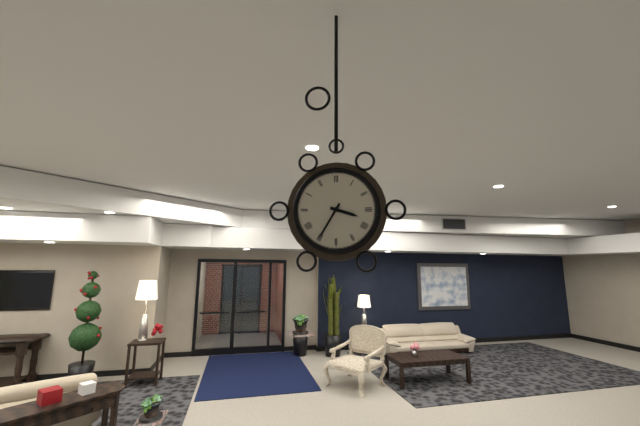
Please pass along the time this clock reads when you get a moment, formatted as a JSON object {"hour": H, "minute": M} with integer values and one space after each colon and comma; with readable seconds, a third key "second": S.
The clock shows {"hour": 3, "minute": 35}
